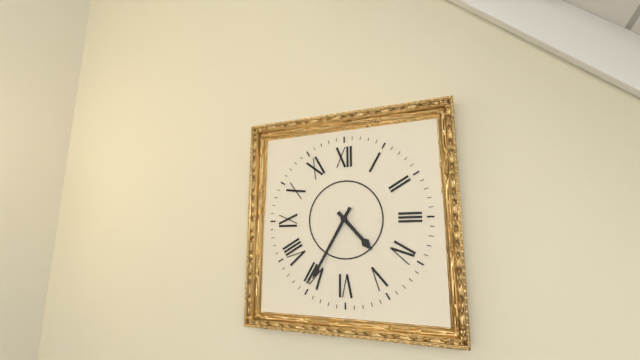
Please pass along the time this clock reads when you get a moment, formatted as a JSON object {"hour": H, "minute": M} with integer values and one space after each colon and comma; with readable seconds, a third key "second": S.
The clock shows {"hour": 4, "minute": 35}
